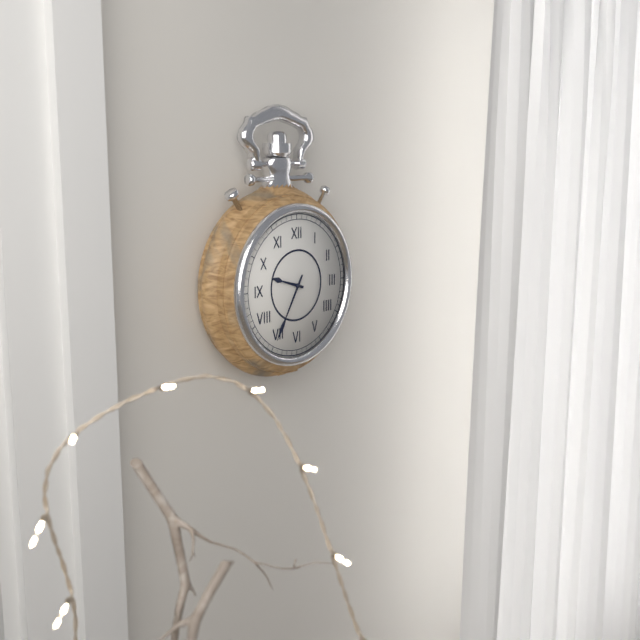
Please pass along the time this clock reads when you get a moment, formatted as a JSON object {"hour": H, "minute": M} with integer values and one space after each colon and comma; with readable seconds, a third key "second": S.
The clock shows {"hour": 9, "minute": 35}
